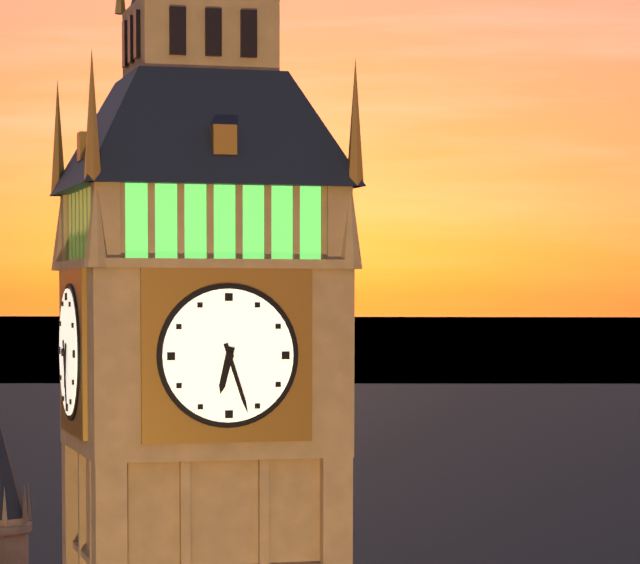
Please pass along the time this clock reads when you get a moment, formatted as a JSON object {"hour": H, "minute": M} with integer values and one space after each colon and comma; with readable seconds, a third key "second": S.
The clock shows {"hour": 6, "minute": 27}
